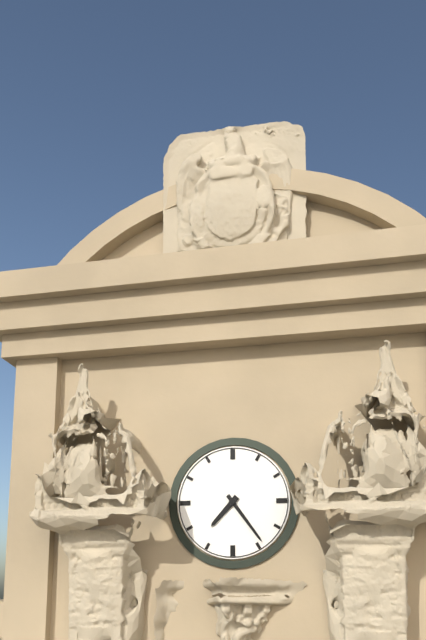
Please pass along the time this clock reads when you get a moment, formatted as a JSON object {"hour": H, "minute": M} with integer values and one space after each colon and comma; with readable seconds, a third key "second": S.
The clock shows {"hour": 7, "minute": 24}
